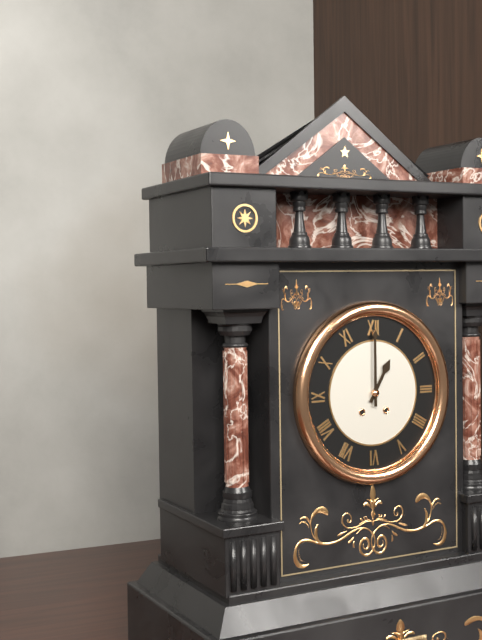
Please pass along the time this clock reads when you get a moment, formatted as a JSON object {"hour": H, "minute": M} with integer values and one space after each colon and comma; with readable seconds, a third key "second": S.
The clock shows {"hour": 1, "minute": 0}
